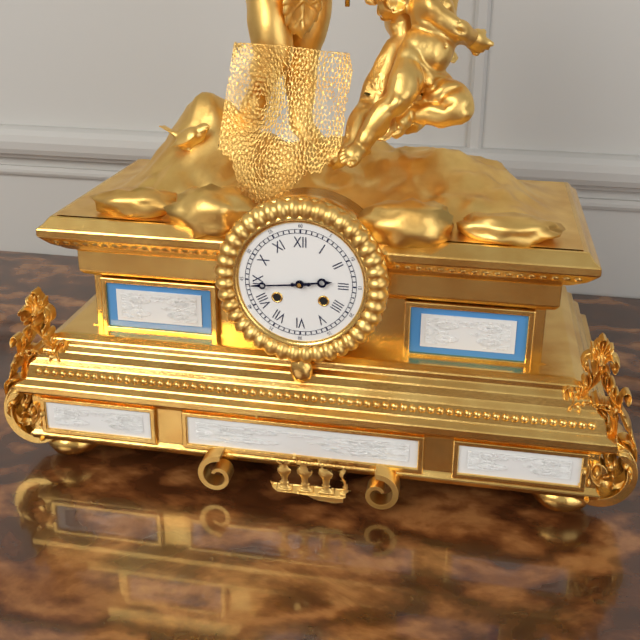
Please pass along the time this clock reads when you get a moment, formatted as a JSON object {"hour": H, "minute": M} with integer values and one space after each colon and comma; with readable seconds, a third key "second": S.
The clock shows {"hour": 2, "minute": 44}
